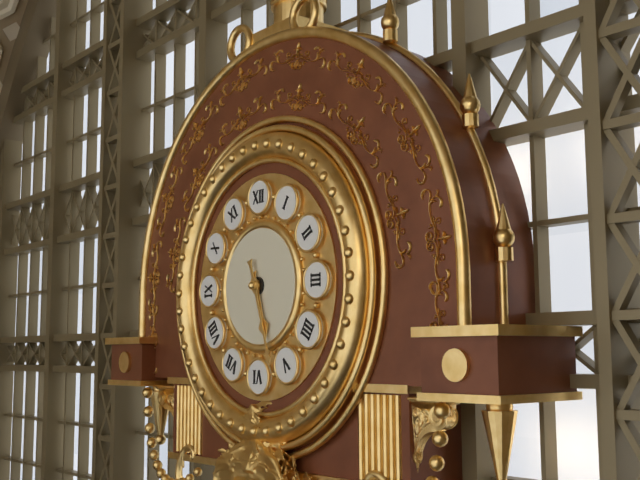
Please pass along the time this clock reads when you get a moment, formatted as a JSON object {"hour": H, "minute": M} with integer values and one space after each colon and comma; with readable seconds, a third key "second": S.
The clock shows {"hour": 5, "minute": 27}
